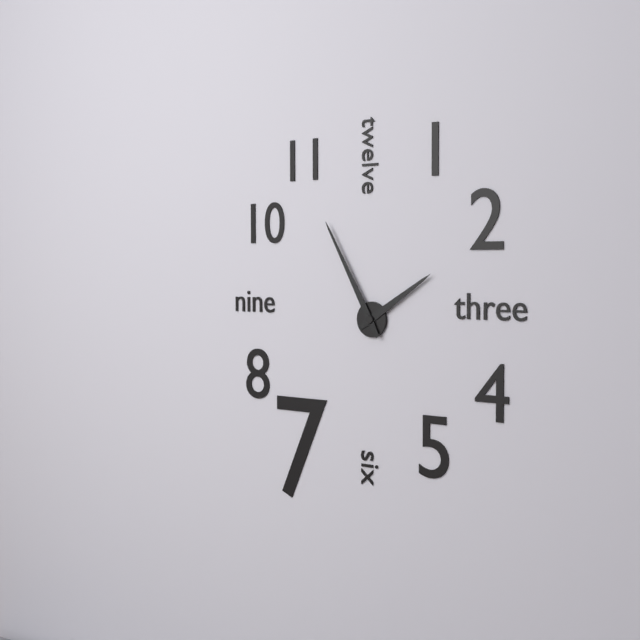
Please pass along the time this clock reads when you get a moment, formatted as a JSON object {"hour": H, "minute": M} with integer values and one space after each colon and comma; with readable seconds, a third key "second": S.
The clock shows {"hour": 1, "minute": 55}
